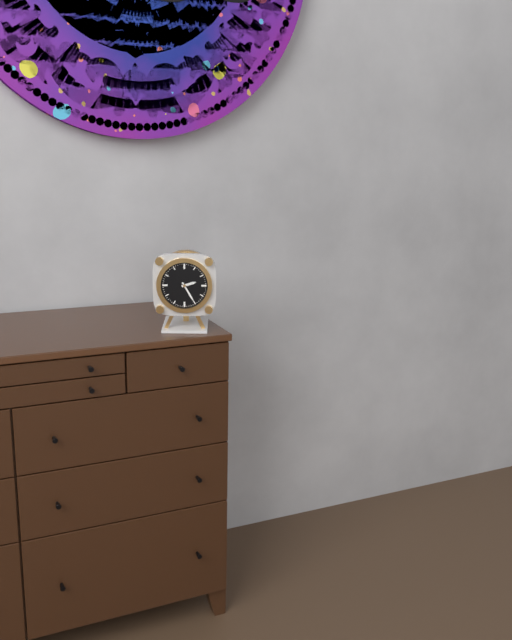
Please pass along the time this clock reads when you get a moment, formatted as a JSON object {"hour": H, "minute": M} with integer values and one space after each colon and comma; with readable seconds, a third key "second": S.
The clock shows {"hour": 2, "minute": 25}
